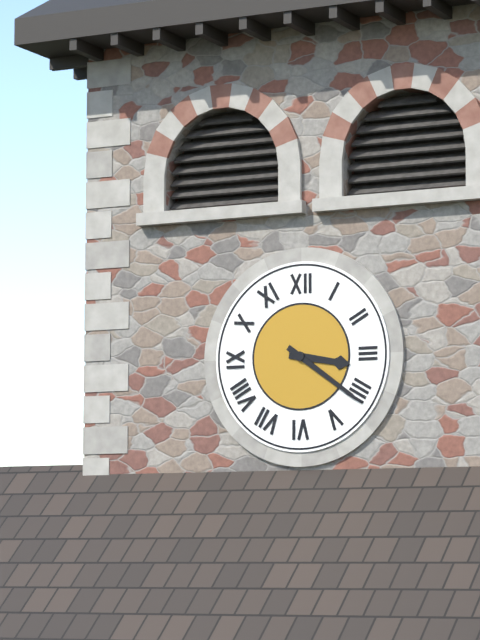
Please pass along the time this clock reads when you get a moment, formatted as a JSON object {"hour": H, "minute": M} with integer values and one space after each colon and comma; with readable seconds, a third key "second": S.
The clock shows {"hour": 3, "minute": 21}
